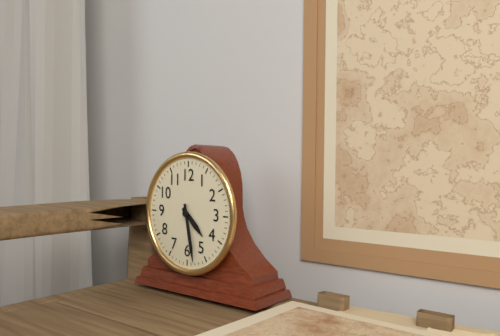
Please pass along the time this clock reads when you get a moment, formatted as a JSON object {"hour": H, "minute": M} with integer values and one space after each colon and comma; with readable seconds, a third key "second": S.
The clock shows {"hour": 4, "minute": 28}
